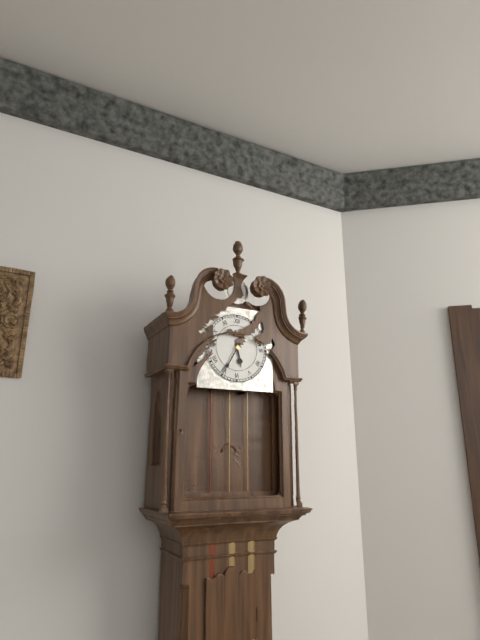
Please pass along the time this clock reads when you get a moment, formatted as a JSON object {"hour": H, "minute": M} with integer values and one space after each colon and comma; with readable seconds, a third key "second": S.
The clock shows {"hour": 5, "minute": 35}
